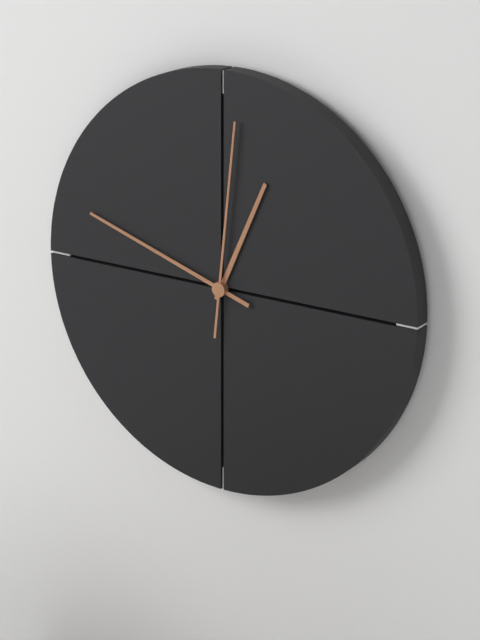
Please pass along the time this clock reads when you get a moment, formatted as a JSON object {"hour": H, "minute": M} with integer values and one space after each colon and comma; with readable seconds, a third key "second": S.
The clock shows {"hour": 12, "minute": 48, "second": 1}
